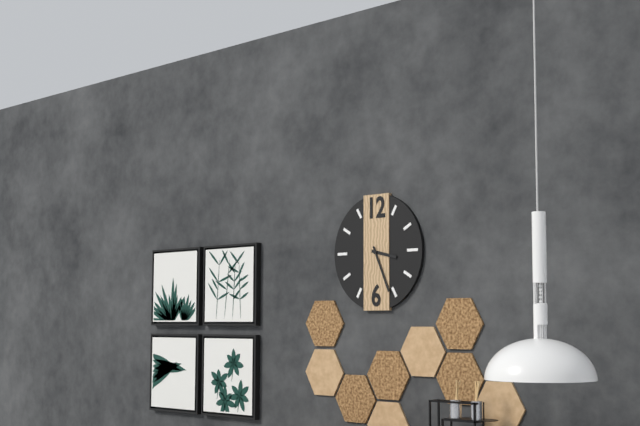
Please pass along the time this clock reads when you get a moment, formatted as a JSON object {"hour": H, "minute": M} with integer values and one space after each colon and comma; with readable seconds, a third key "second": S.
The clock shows {"hour": 3, "minute": 26}
